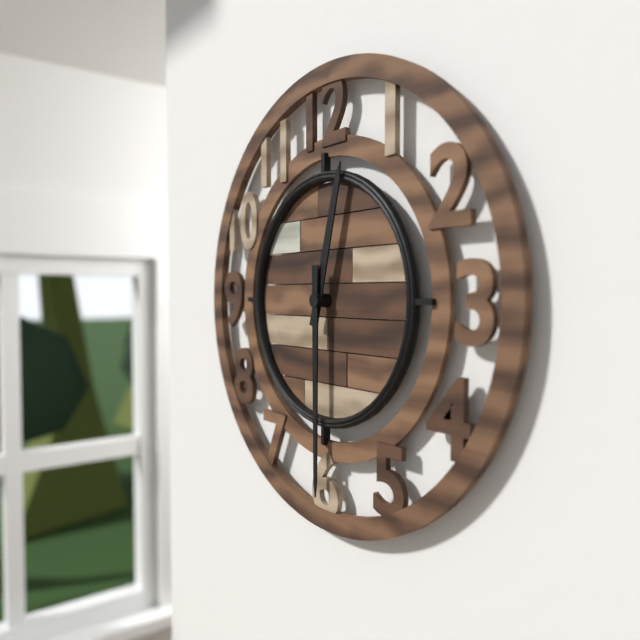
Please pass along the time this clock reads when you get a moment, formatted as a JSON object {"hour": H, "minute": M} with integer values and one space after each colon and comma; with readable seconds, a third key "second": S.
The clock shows {"hour": 12, "minute": 30}
